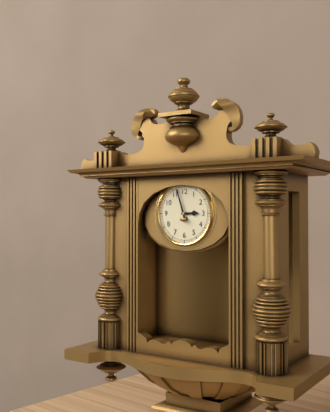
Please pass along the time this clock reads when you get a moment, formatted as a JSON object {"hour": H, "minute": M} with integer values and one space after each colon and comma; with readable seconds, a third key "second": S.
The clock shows {"hour": 2, "minute": 57}
